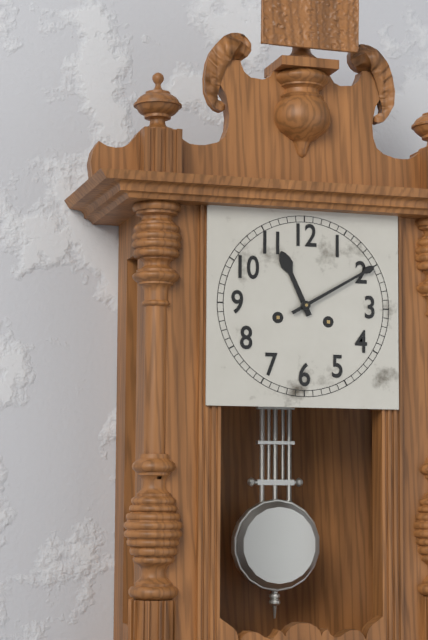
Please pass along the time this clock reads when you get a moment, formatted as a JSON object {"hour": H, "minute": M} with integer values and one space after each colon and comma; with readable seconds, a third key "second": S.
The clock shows {"hour": 11, "minute": 10}
